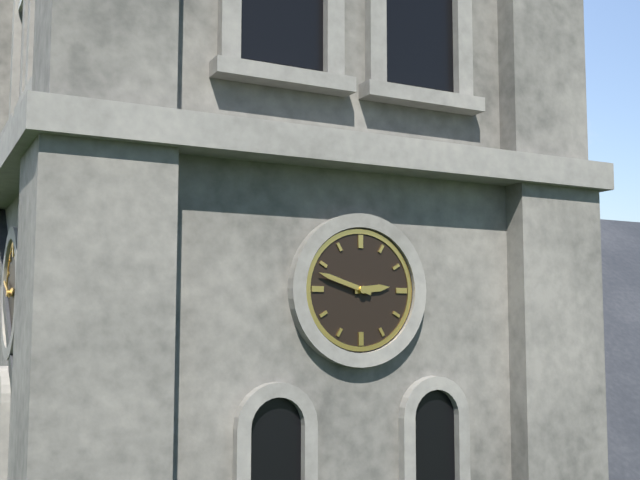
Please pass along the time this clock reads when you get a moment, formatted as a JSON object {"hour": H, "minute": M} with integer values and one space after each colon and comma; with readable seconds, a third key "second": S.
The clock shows {"hour": 2, "minute": 48}
